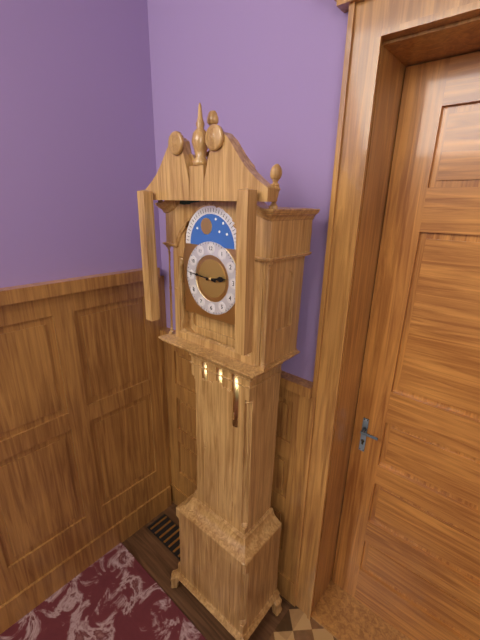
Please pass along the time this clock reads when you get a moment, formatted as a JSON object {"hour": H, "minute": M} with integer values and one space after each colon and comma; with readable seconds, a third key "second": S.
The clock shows {"hour": 2, "minute": 46}
